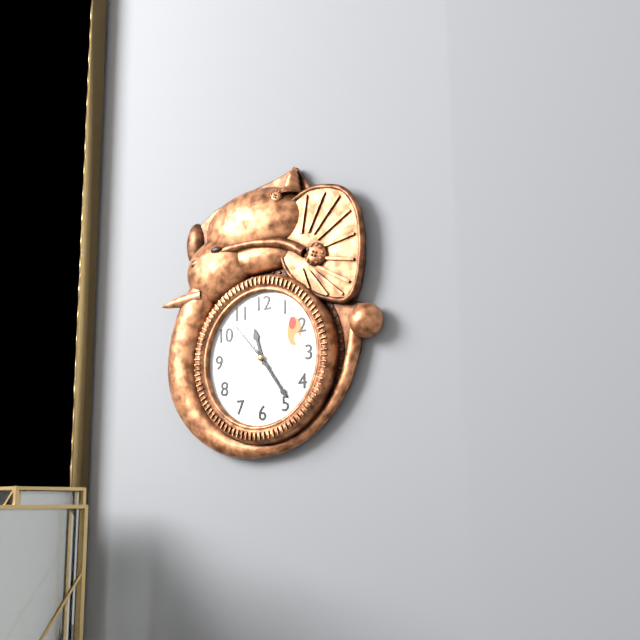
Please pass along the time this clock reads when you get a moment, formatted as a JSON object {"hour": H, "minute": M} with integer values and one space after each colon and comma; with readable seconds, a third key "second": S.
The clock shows {"hour": 11, "minute": 24, "second": 53}
